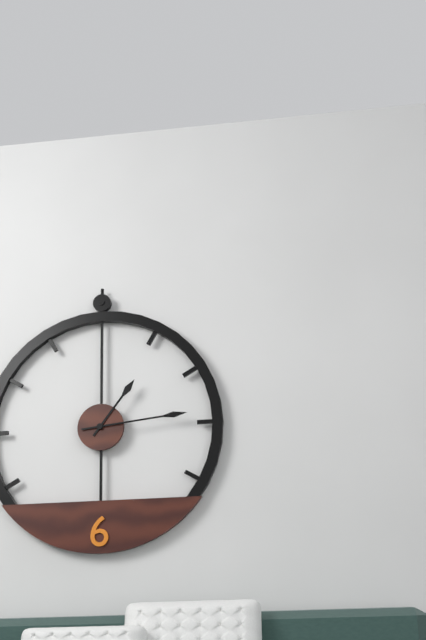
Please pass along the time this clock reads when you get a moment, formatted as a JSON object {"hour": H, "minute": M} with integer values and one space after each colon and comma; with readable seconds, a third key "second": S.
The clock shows {"hour": 1, "minute": 14}
